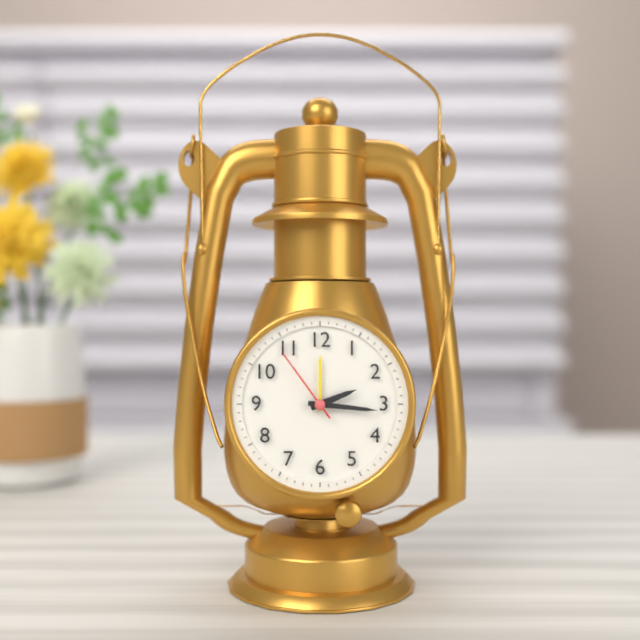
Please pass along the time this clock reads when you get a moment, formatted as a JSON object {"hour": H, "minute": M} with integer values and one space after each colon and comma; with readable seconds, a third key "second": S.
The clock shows {"hour": 2, "minute": 16, "second": 54}
